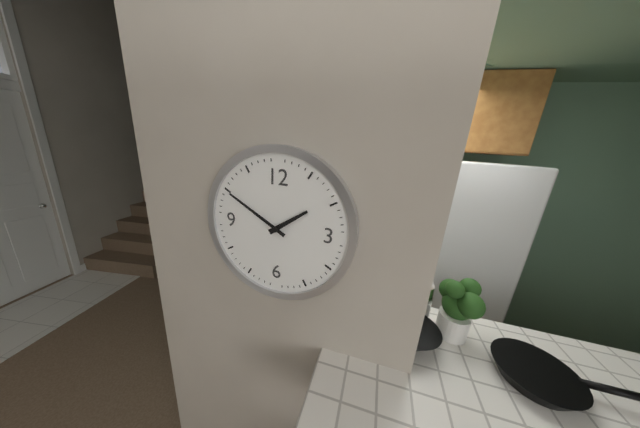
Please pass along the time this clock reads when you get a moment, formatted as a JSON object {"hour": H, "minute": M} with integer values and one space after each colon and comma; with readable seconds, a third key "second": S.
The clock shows {"hour": 1, "minute": 50}
